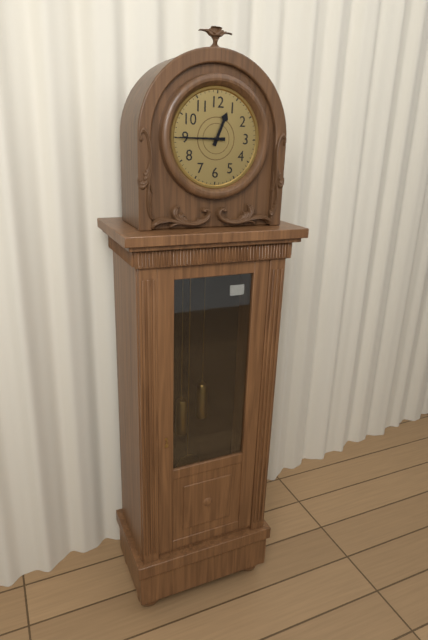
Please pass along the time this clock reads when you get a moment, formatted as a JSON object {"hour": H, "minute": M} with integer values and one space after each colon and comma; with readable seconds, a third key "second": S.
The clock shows {"hour": 12, "minute": 45}
